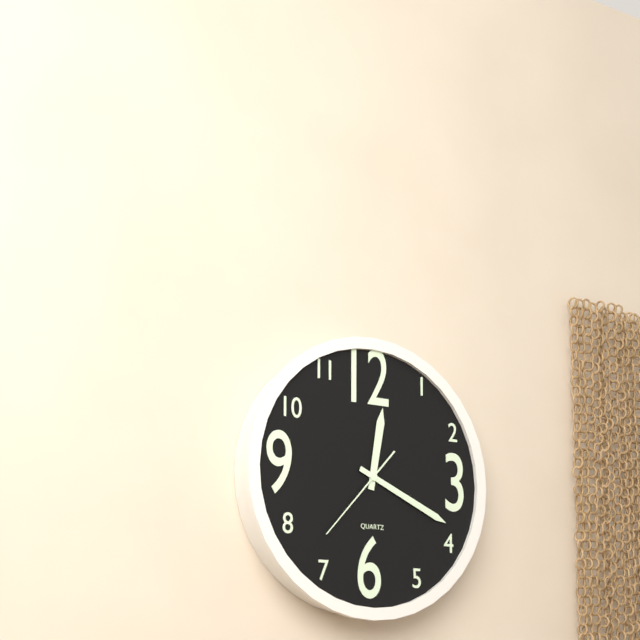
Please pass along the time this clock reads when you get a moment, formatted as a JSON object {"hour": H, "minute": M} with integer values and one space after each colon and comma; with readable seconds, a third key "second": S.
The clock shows {"hour": 12, "minute": 19, "second": 37}
